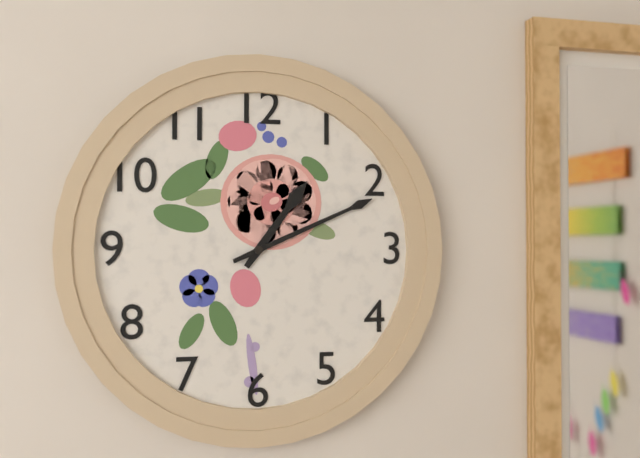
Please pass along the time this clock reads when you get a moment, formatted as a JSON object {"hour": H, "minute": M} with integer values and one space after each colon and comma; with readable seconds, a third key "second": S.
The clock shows {"hour": 1, "minute": 11}
